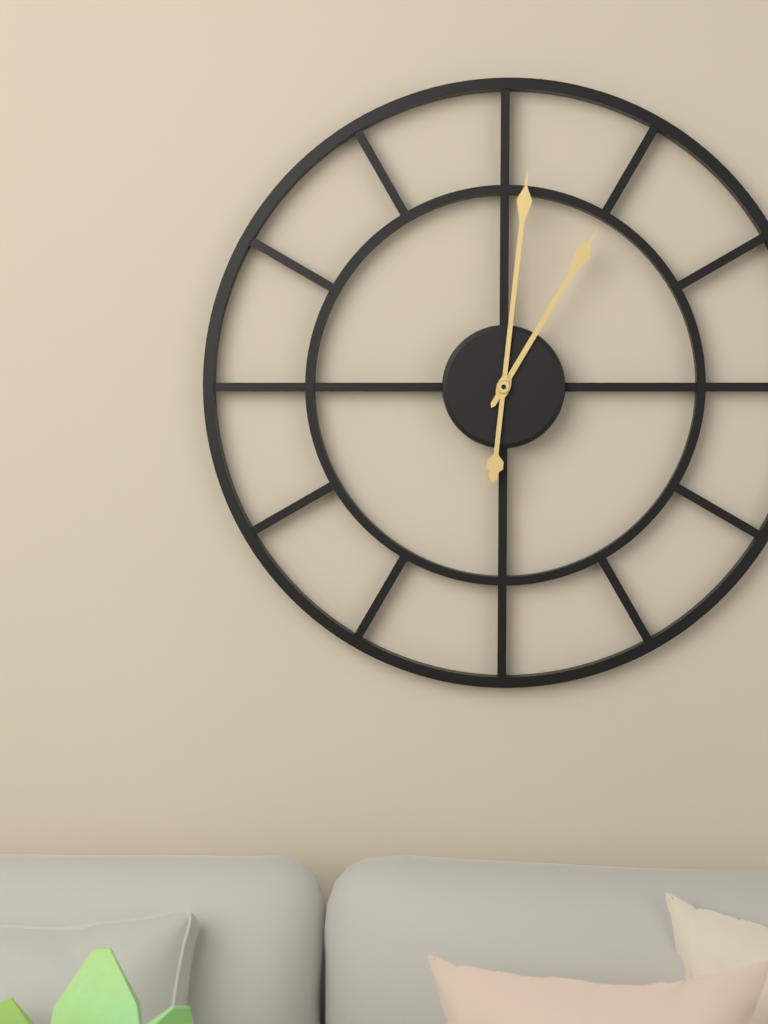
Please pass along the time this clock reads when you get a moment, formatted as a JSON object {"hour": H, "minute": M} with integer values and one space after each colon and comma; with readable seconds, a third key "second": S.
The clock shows {"hour": 1, "minute": 1}
